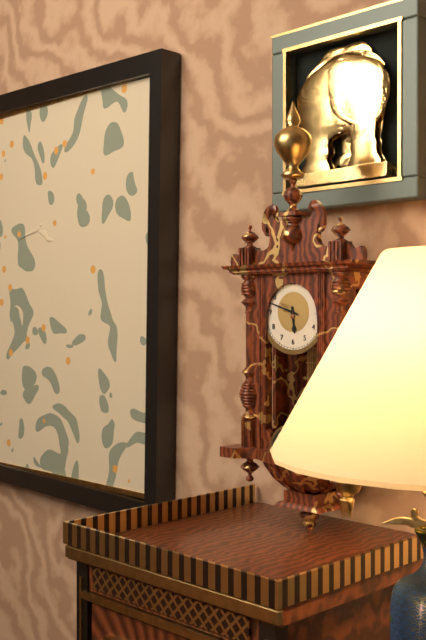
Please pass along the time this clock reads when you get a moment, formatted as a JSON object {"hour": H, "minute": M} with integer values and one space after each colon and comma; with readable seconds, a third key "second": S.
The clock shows {"hour": 5, "minute": 48}
